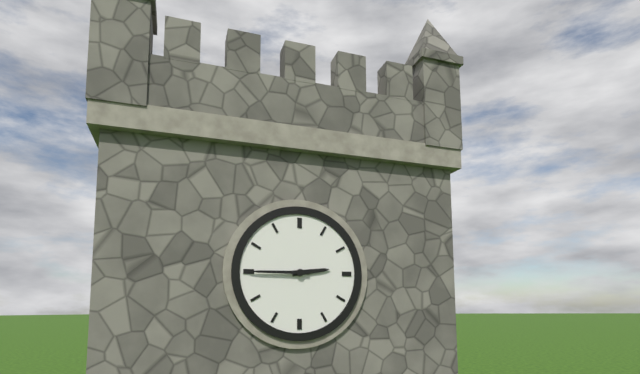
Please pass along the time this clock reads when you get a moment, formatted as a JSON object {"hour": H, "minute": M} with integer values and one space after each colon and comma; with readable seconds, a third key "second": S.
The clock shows {"hour": 2, "minute": 45}
